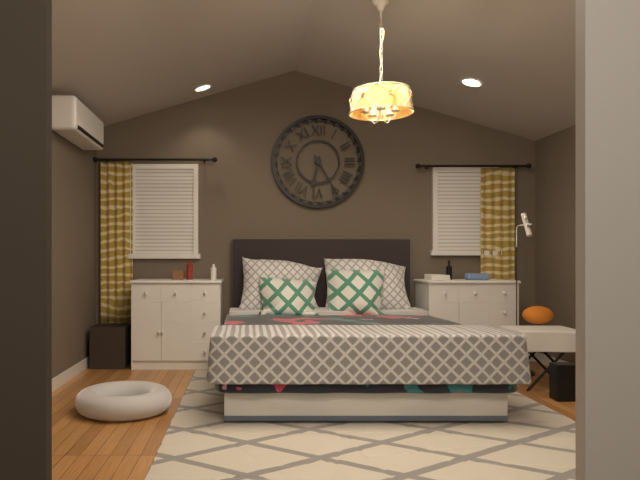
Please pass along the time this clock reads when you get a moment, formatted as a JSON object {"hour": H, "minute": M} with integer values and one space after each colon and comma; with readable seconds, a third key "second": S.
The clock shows {"hour": 6, "minute": 25}
